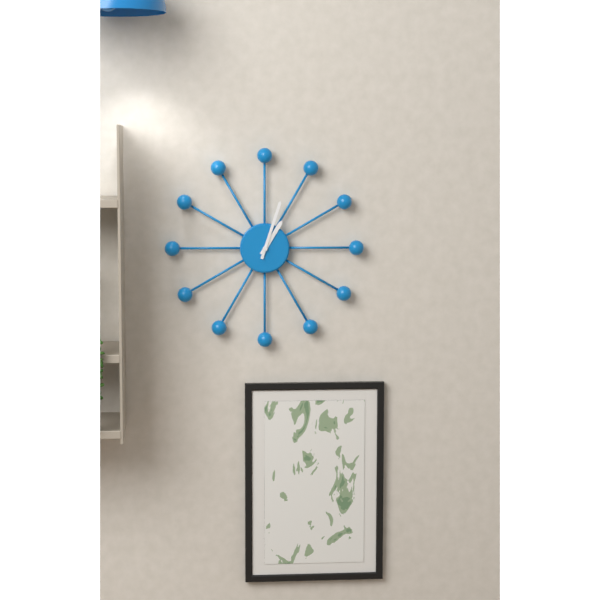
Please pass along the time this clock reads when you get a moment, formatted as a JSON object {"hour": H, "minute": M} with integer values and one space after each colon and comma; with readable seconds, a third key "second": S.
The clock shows {"hour": 1, "minute": 3}
